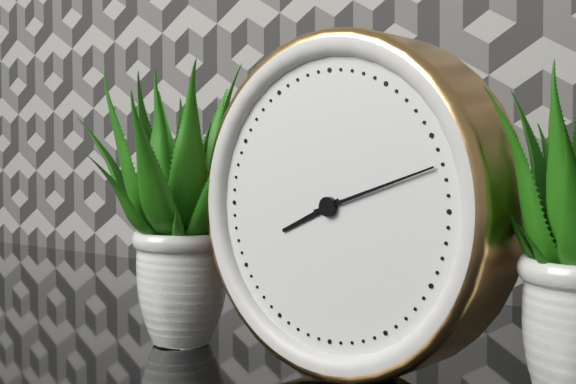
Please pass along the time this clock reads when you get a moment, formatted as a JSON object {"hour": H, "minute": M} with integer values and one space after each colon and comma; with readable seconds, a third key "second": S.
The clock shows {"hour": 8, "minute": 12}
